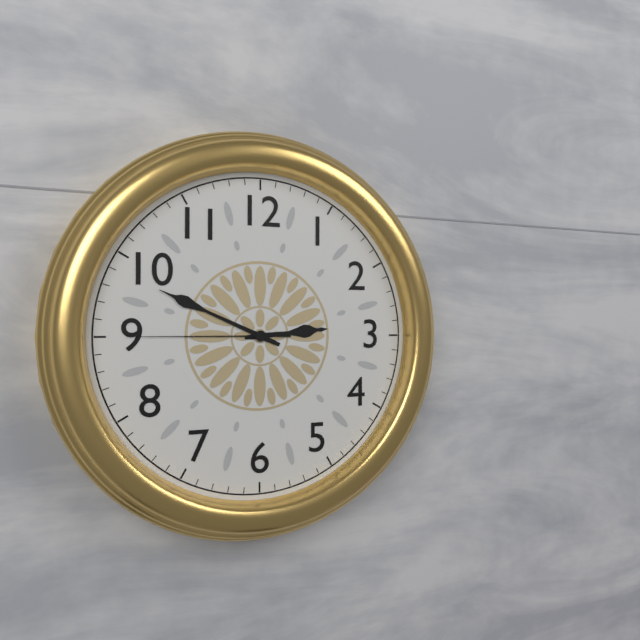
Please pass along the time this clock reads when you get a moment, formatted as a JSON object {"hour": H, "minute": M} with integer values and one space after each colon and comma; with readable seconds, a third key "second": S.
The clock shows {"hour": 2, "minute": 49, "second": 45}
